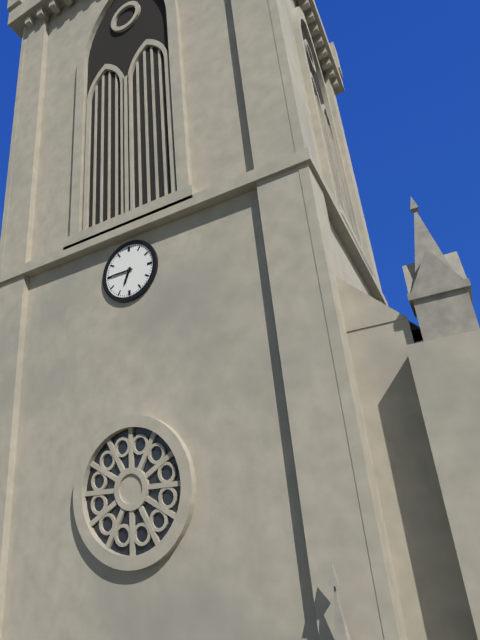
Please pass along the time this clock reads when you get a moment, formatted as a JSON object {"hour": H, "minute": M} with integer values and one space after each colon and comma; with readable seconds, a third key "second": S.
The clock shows {"hour": 6, "minute": 45}
